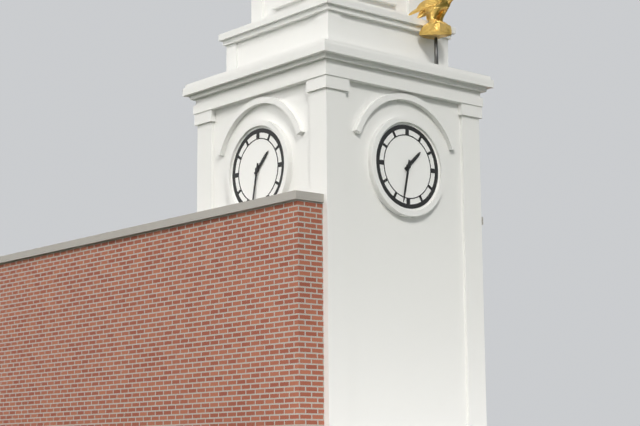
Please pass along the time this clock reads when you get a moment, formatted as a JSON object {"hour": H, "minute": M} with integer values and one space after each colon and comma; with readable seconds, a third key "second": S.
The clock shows {"hour": 1, "minute": 32}
